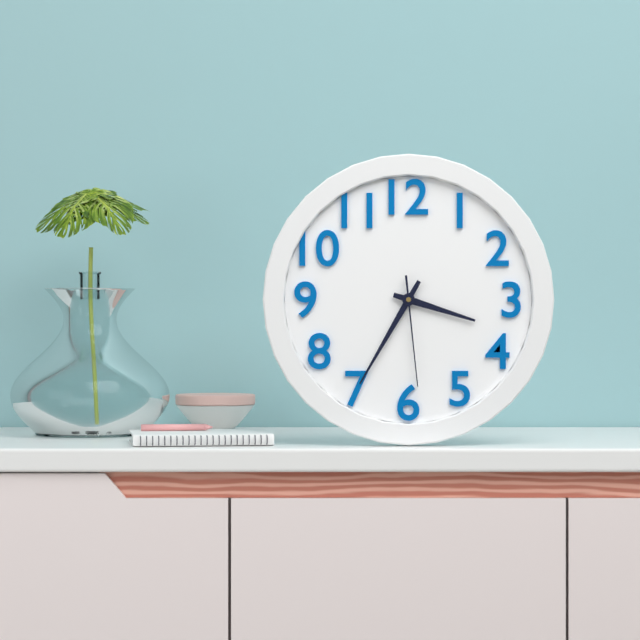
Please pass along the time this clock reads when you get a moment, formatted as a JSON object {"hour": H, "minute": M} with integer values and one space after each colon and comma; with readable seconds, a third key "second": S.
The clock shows {"hour": 3, "minute": 35, "second": 29}
